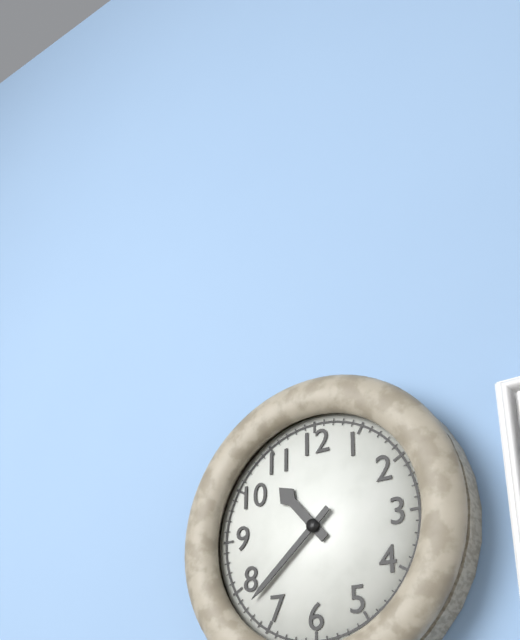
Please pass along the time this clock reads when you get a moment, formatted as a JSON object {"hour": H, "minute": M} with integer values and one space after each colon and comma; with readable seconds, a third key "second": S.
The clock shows {"hour": 10, "minute": 38}
